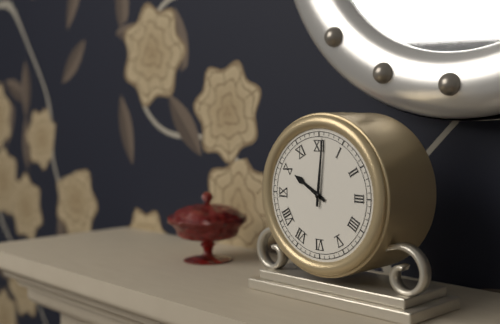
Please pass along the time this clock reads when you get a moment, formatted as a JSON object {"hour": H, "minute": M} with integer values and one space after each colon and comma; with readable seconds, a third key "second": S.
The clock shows {"hour": 10, "minute": 1}
